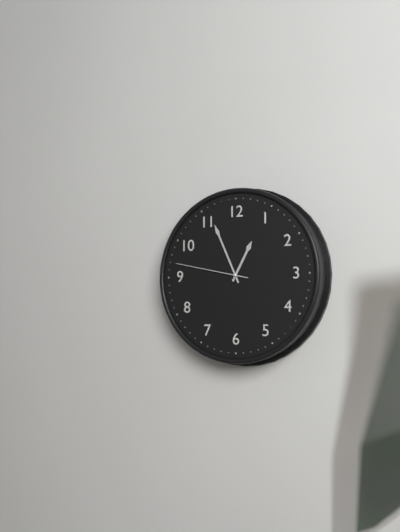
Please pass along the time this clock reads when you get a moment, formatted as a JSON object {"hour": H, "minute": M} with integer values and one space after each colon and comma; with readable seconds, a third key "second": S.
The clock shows {"hour": 12, "minute": 56, "second": 47}
